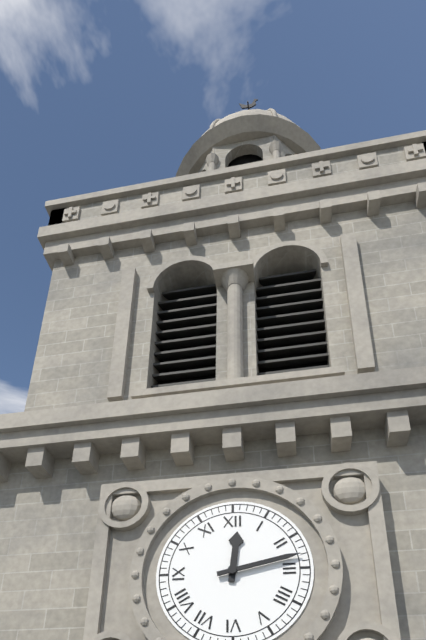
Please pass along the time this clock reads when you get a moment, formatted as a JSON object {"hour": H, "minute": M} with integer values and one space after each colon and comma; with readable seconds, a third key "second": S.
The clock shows {"hour": 12, "minute": 13}
